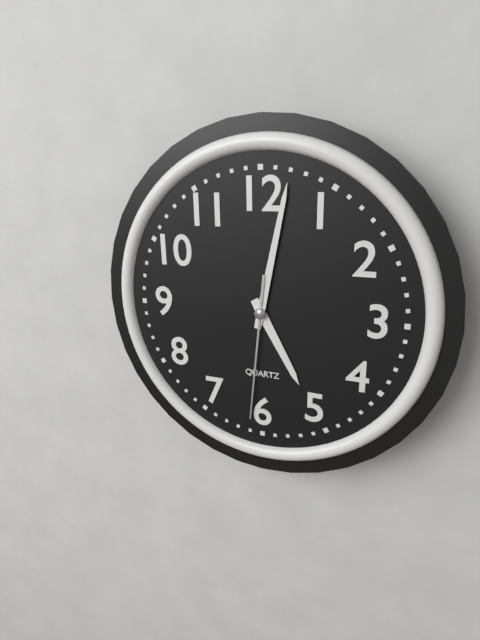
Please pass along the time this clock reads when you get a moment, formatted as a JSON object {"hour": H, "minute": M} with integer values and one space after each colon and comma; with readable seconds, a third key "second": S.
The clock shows {"hour": 5, "minute": 2, "second": 31}
